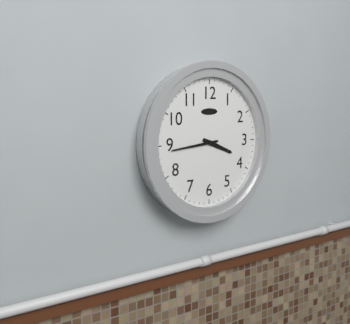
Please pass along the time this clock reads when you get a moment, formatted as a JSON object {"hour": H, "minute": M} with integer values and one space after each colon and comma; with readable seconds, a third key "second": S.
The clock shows {"hour": 3, "minute": 44}
